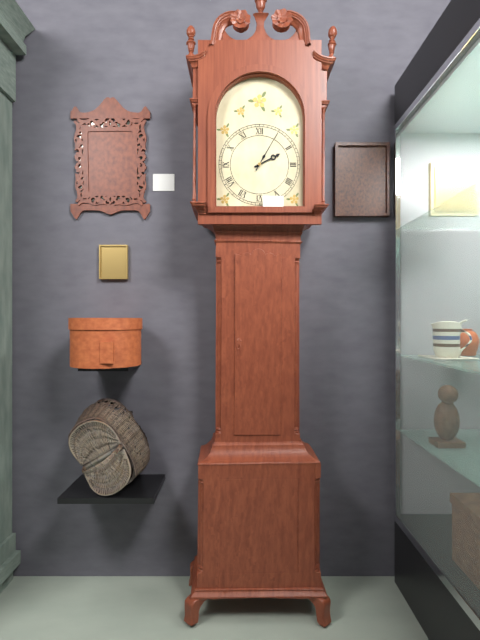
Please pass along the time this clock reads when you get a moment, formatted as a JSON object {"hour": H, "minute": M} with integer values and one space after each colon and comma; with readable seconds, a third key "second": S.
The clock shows {"hour": 2, "minute": 5}
